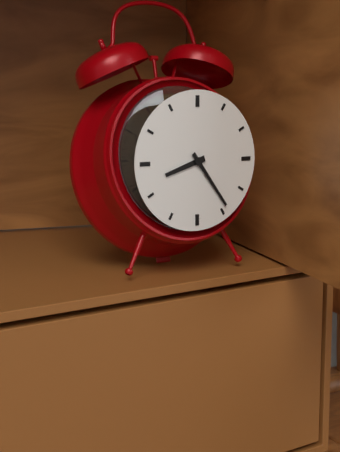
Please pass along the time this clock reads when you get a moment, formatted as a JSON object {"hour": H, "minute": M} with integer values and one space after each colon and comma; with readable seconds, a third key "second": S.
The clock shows {"hour": 8, "minute": 24}
